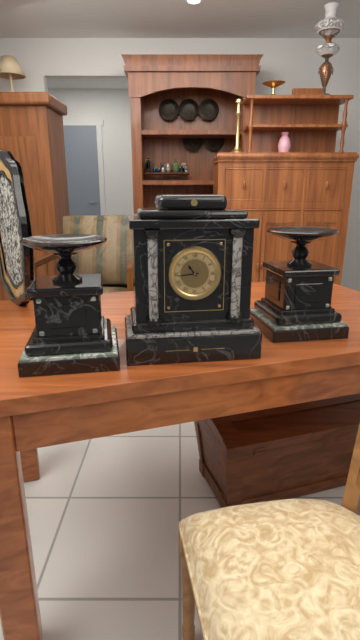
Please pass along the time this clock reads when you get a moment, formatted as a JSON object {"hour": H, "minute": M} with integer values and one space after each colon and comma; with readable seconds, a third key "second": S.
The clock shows {"hour": 10, "minute": 44}
